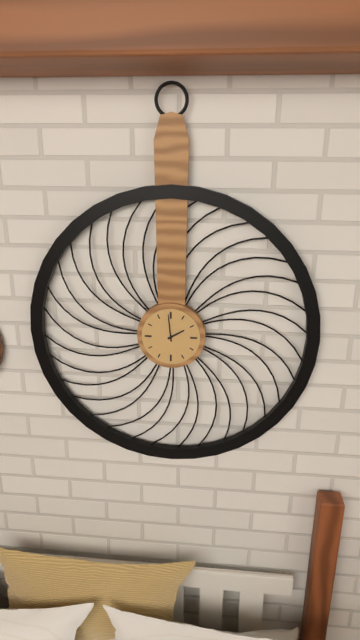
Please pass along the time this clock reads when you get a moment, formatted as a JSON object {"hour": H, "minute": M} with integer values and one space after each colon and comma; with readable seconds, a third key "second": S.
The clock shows {"hour": 1, "minute": 59}
